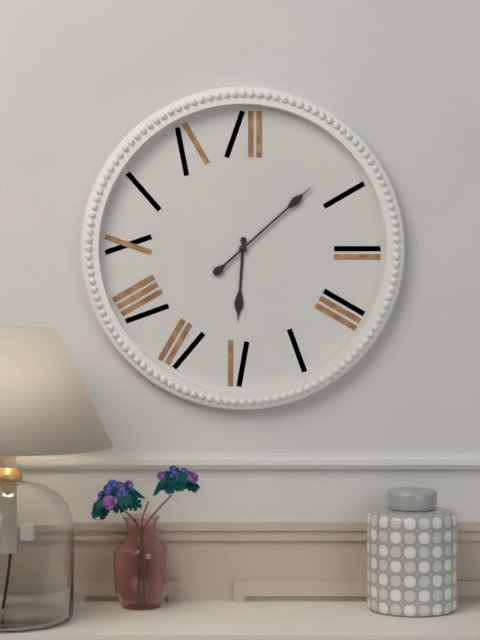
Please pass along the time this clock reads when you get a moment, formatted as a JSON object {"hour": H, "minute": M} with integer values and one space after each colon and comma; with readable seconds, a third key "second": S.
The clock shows {"hour": 6, "minute": 8}
